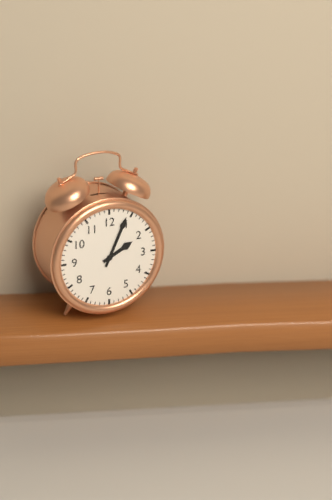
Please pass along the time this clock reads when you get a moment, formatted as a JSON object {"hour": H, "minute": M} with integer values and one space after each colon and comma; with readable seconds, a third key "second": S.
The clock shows {"hour": 2, "minute": 4}
